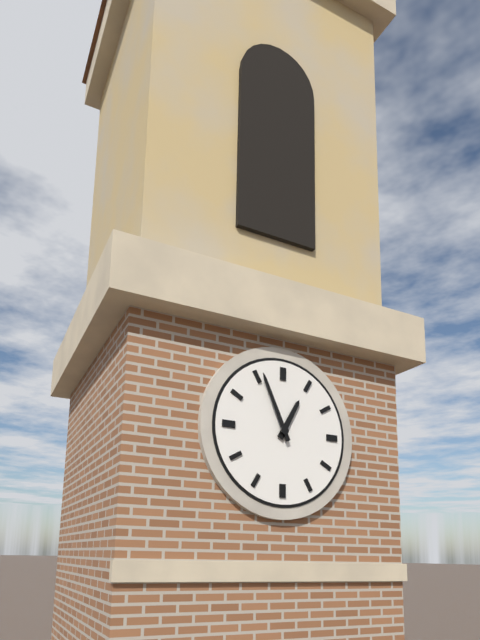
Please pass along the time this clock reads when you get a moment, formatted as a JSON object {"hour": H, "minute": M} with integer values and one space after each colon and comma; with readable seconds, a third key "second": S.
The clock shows {"hour": 12, "minute": 56}
